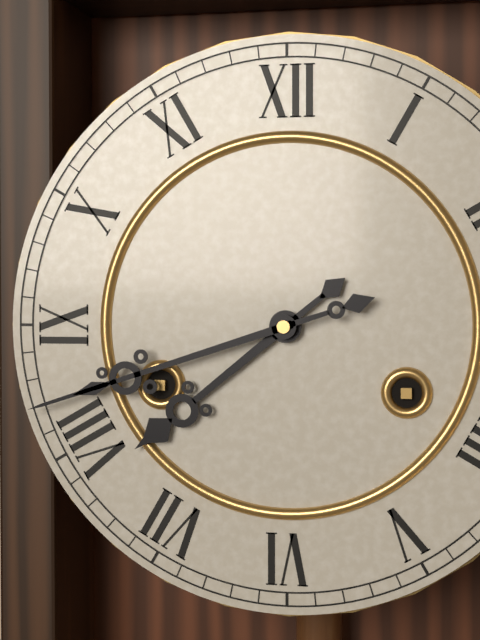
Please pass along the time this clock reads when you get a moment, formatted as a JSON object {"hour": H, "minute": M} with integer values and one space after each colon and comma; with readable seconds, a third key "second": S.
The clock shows {"hour": 7, "minute": 42}
